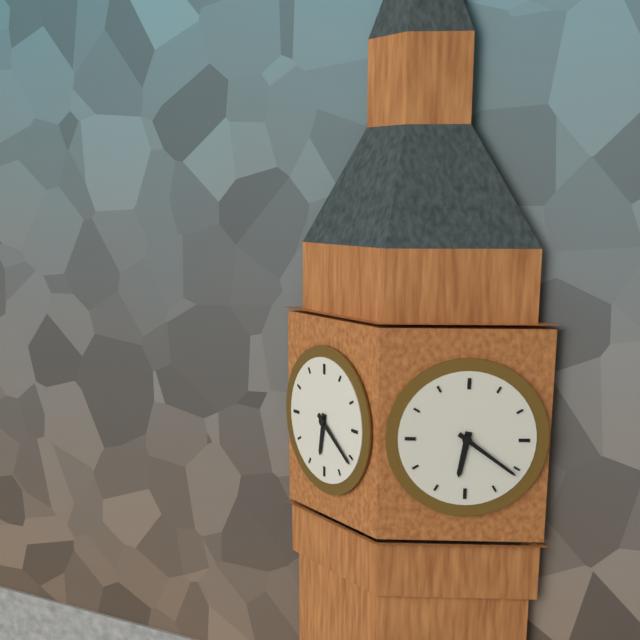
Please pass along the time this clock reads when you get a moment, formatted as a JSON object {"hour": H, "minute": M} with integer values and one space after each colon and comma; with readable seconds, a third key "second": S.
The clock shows {"hour": 6, "minute": 21}
